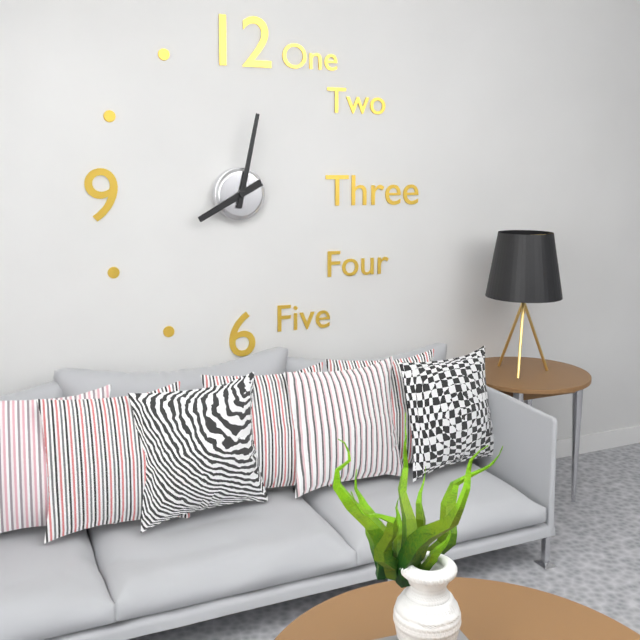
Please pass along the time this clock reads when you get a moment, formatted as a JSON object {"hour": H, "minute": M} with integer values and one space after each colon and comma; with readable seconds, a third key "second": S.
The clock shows {"hour": 8, "minute": 2}
